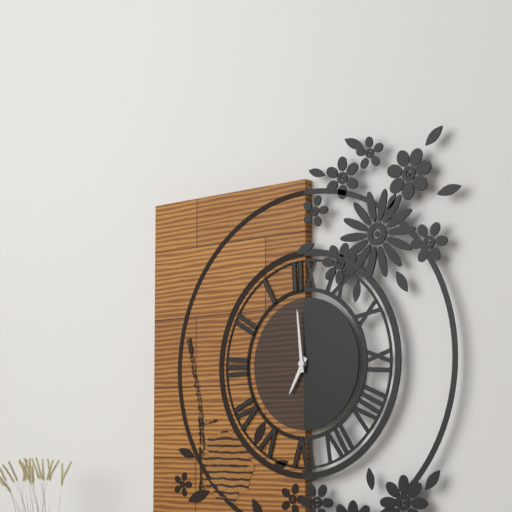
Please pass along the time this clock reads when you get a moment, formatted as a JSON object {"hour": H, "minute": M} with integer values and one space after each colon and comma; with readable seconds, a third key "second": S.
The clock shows {"hour": 6, "minute": 59}
